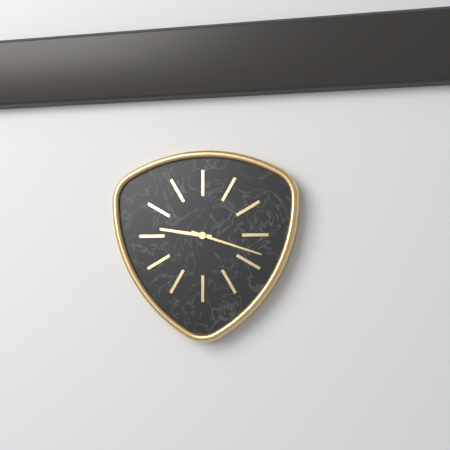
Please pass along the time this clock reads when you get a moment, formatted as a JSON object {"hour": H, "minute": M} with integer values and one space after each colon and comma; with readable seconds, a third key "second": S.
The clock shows {"hour": 9, "minute": 18}
